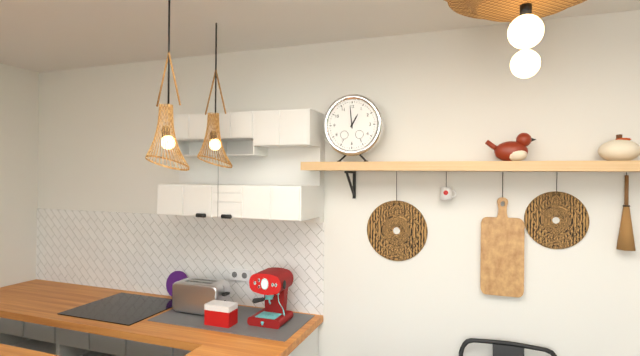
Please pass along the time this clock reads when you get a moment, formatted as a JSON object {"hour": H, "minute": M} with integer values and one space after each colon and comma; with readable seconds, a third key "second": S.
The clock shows {"hour": 12, "minute": 59}
